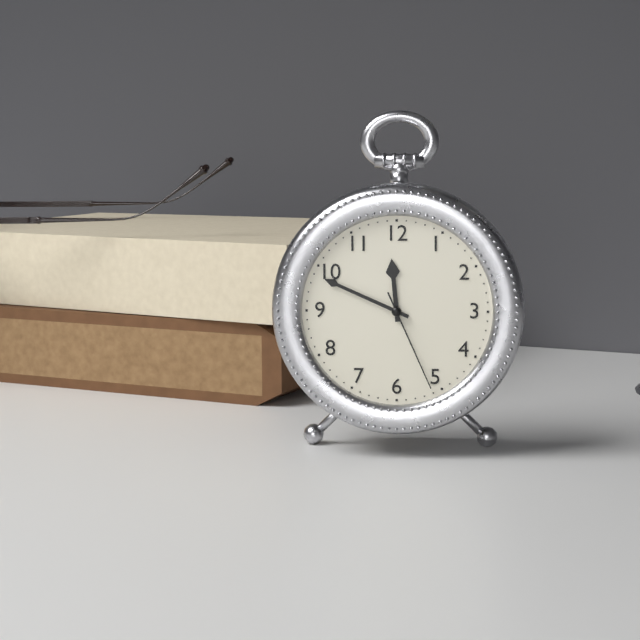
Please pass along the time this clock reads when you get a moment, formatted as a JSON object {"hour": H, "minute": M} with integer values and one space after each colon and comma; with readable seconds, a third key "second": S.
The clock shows {"hour": 11, "minute": 49, "second": 26}
